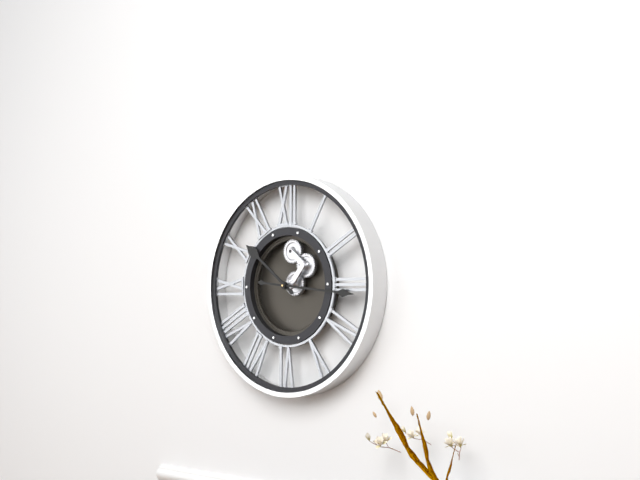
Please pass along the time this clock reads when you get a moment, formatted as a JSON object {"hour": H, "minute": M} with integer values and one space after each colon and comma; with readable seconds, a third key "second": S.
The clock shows {"hour": 10, "minute": 16}
